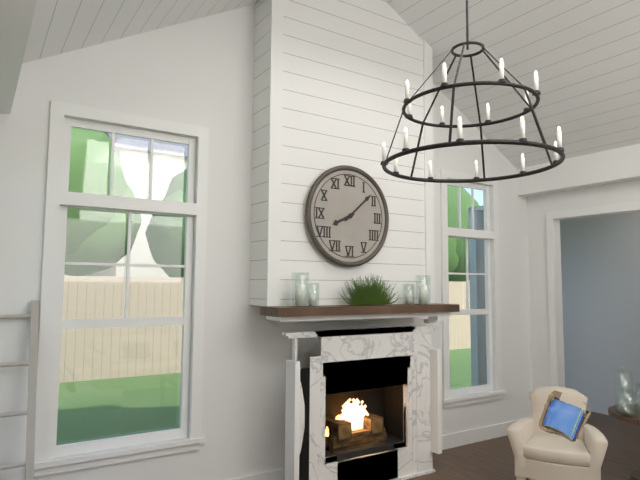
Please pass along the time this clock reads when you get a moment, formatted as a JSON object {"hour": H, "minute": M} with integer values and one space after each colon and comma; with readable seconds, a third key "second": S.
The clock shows {"hour": 8, "minute": 8}
